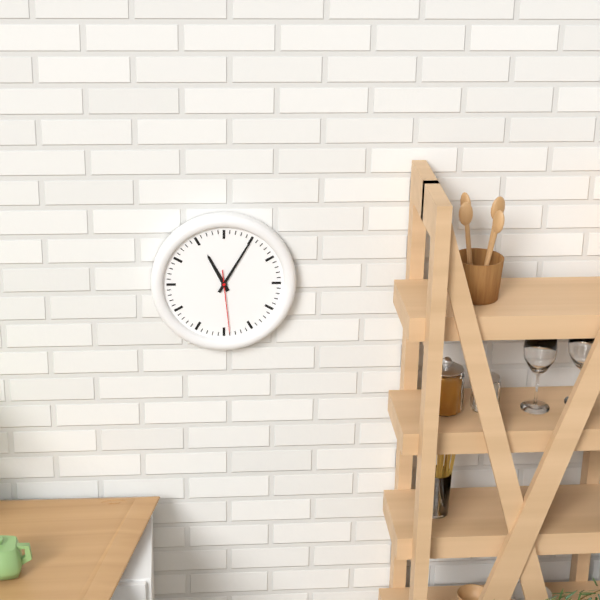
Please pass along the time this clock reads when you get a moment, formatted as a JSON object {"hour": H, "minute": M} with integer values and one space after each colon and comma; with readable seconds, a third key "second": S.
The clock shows {"hour": 11, "minute": 5, "second": 29}
